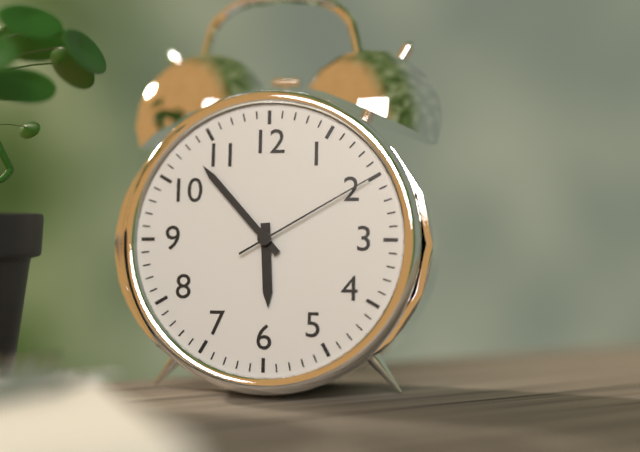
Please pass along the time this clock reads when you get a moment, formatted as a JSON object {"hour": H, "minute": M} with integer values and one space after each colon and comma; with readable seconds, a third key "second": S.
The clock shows {"hour": 5, "minute": 53, "second": 10}
